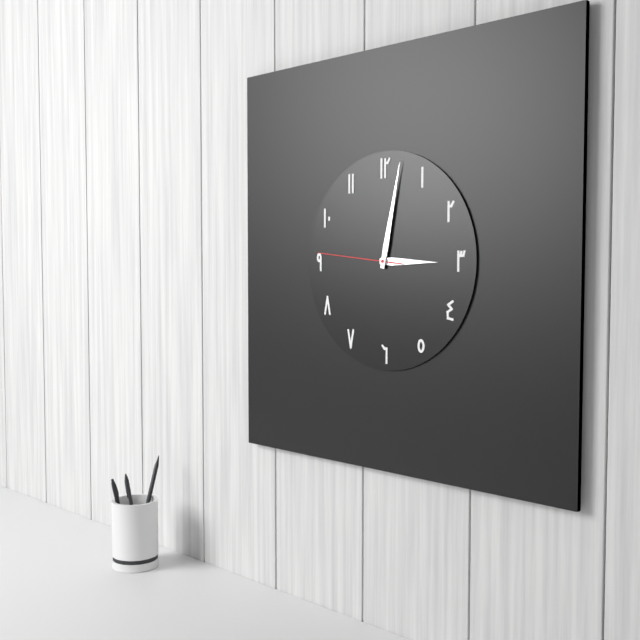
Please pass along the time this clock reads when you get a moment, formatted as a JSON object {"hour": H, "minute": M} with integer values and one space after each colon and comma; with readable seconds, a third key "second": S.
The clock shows {"hour": 3, "minute": 2, "second": 46}
